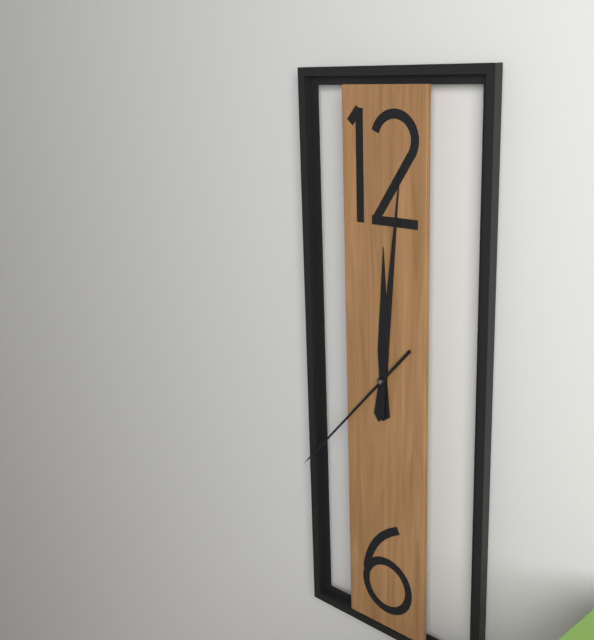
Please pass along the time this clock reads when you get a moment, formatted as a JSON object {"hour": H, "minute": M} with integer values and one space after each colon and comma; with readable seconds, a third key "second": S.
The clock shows {"hour": 12, "minute": 1, "second": 37}
